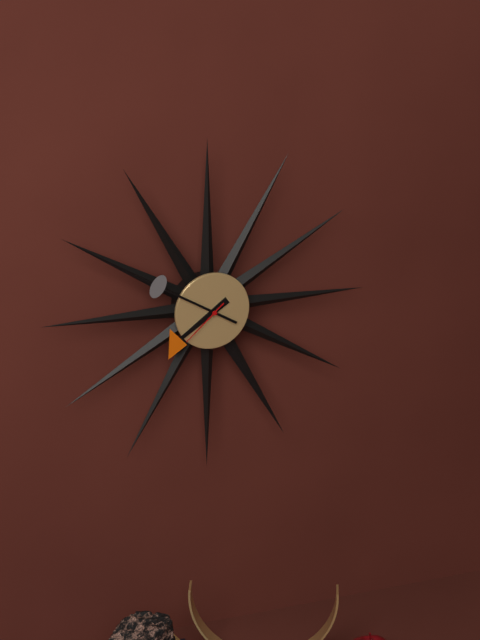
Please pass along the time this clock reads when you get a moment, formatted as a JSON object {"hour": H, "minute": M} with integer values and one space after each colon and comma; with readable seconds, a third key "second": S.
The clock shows {"hour": 7, "minute": 50, "second": 38}
